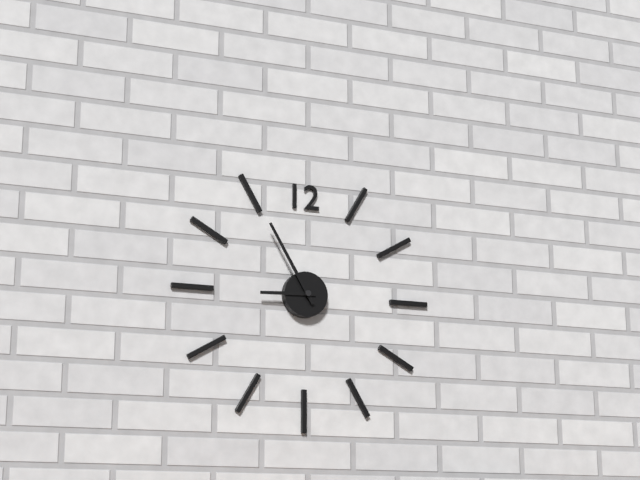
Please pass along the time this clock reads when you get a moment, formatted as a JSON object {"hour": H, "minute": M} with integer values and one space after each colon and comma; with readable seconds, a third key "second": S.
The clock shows {"hour": 8, "minute": 55}
